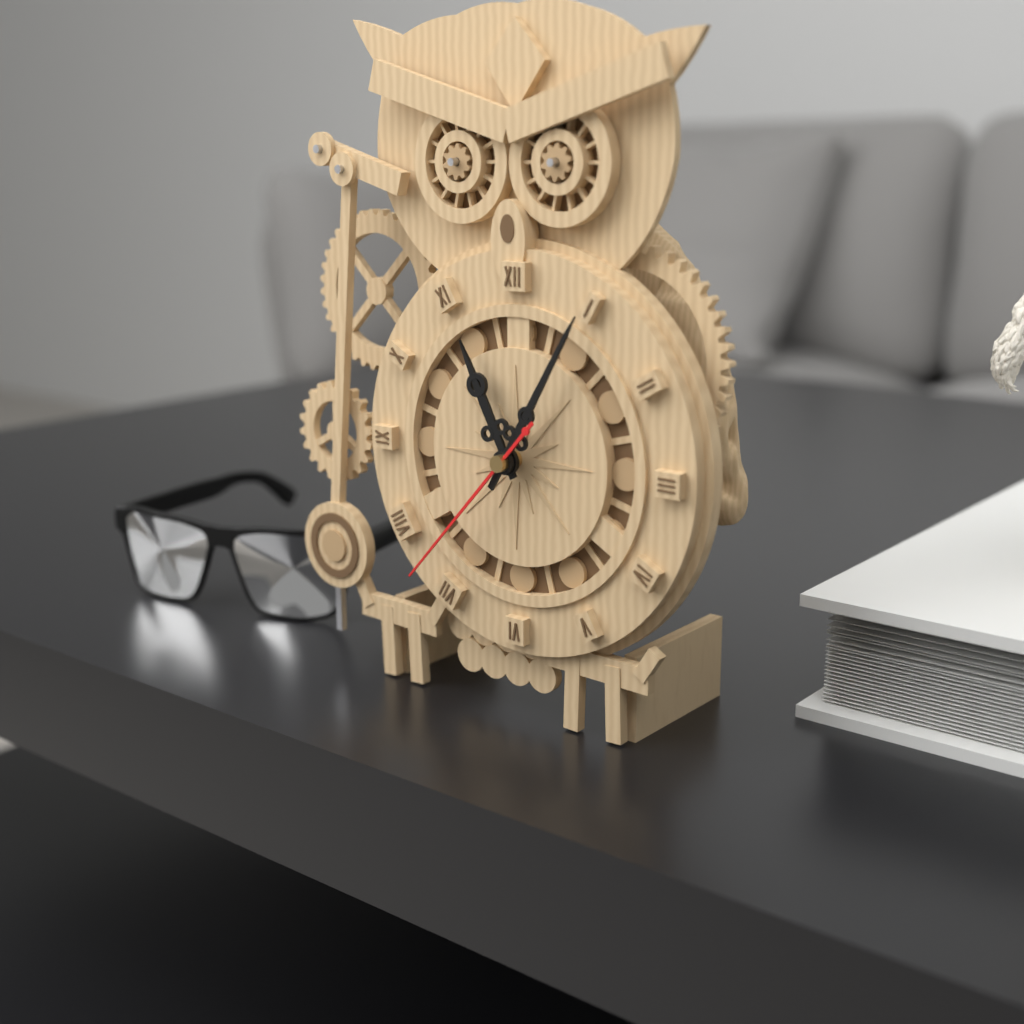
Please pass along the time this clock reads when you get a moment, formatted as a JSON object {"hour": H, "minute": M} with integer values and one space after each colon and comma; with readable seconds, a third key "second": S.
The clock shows {"hour": 11, "minute": 5, "second": 37}
